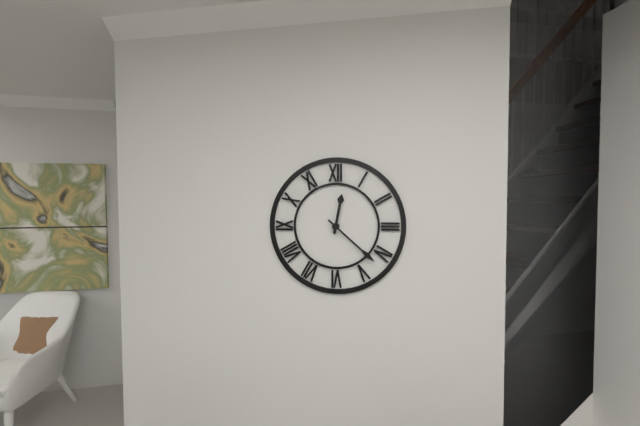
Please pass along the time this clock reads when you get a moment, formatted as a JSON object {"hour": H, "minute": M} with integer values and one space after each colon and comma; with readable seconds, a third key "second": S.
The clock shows {"hour": 12, "minute": 22}
